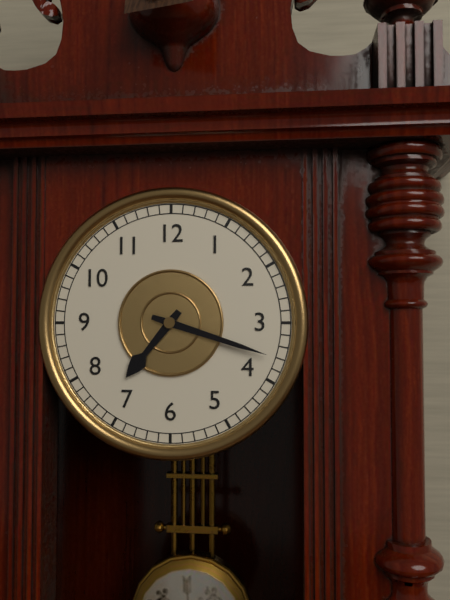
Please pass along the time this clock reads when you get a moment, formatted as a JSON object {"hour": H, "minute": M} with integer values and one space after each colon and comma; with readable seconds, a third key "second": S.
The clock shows {"hour": 7, "minute": 18}
